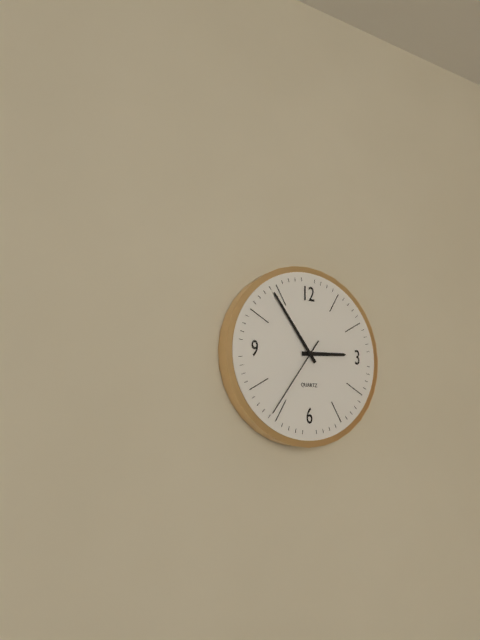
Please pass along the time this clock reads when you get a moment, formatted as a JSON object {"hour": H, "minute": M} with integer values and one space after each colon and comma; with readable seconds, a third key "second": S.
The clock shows {"hour": 2, "minute": 54, "second": 36}
